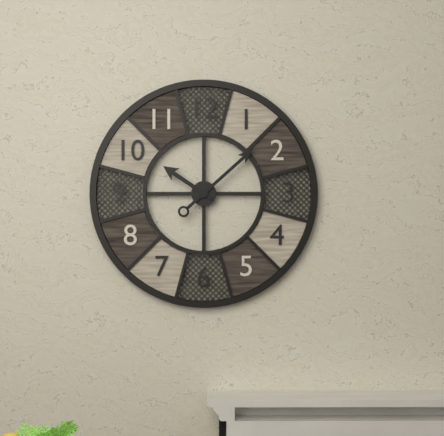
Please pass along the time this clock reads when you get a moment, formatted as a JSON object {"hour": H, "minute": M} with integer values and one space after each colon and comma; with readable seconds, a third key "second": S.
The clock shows {"hour": 10, "minute": 8}
